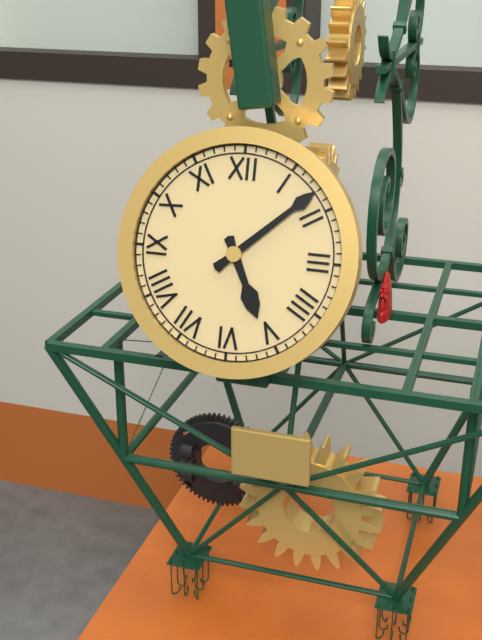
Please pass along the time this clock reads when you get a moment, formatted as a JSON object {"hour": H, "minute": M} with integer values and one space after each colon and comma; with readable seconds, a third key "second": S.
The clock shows {"hour": 5, "minute": 8}
